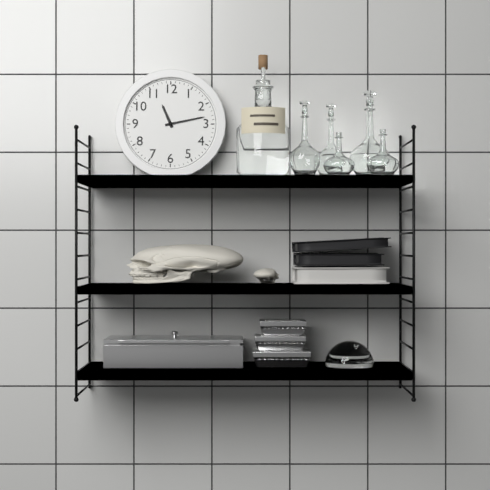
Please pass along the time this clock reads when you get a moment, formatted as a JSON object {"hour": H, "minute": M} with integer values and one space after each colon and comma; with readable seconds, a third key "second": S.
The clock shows {"hour": 11, "minute": 13}
